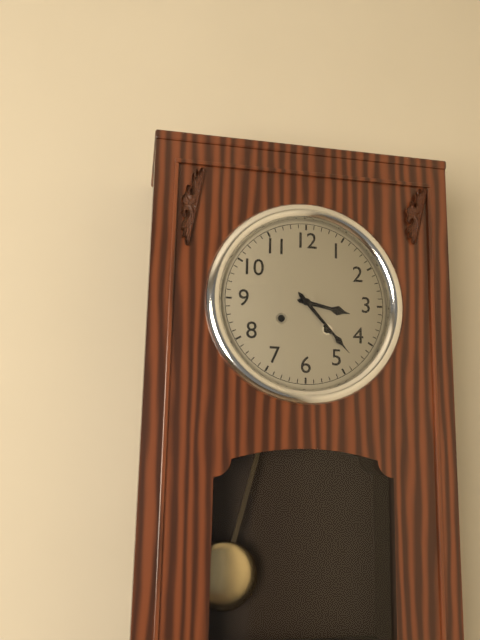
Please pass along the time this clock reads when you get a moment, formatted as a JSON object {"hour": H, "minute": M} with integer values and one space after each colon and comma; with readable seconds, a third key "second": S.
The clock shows {"hour": 3, "minute": 23}
